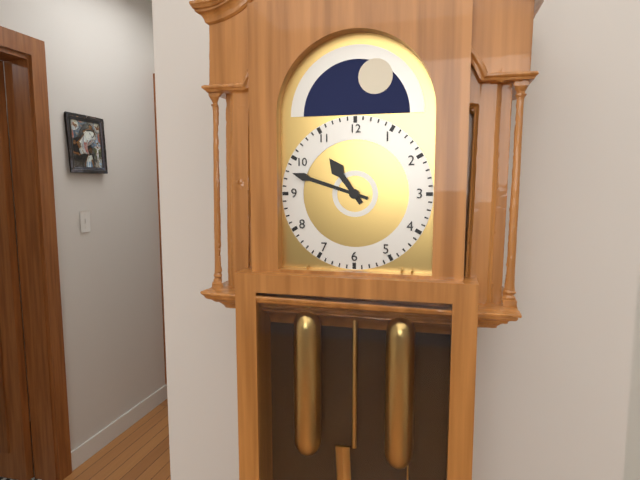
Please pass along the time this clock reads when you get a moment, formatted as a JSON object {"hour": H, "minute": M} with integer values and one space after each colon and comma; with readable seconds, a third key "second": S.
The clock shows {"hour": 10, "minute": 48}
